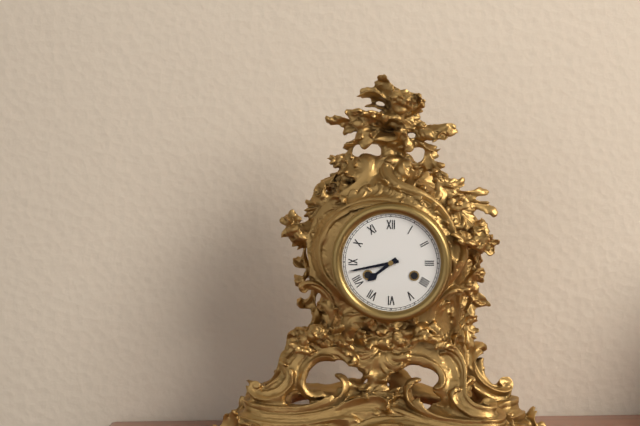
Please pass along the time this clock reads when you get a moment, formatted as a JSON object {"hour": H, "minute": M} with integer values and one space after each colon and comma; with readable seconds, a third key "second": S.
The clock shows {"hour": 7, "minute": 43}
